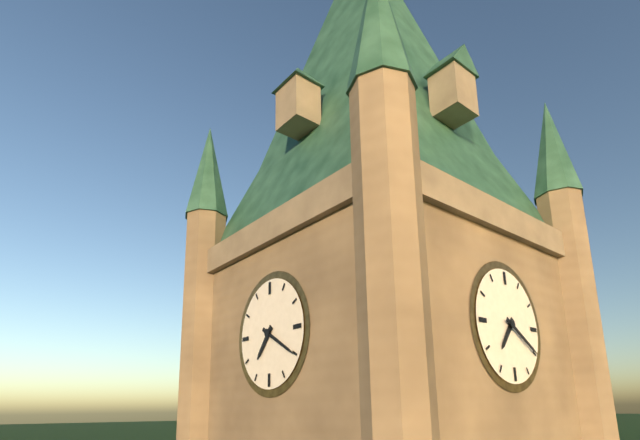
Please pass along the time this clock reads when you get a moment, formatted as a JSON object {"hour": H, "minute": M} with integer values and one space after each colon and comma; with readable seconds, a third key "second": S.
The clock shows {"hour": 7, "minute": 20}
